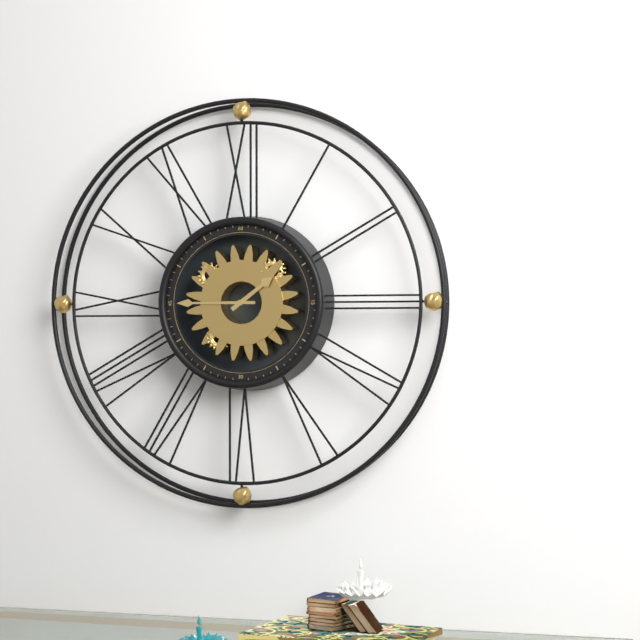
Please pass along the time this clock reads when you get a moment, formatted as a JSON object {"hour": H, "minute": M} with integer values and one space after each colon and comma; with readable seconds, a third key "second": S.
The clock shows {"hour": 1, "minute": 45}
